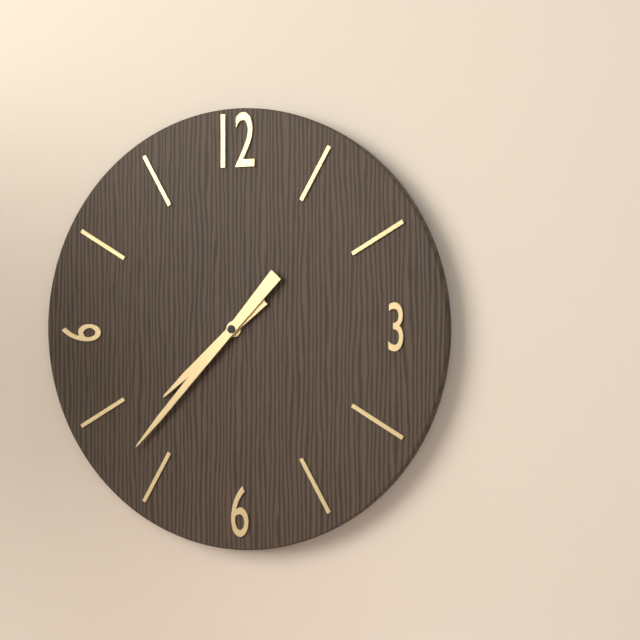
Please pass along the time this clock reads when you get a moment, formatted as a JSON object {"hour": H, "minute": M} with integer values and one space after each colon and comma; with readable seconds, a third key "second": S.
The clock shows {"hour": 7, "minute": 37}
